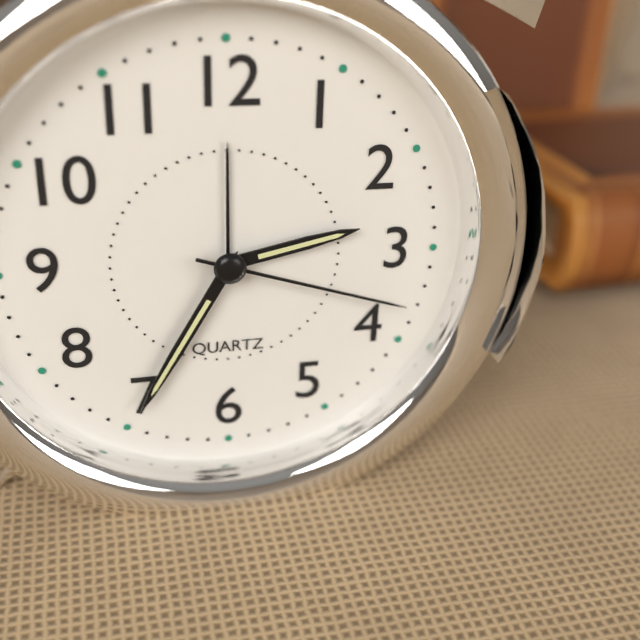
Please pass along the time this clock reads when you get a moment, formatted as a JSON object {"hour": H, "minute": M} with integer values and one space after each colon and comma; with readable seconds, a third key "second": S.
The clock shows {"hour": 2, "minute": 35, "second": 18}
